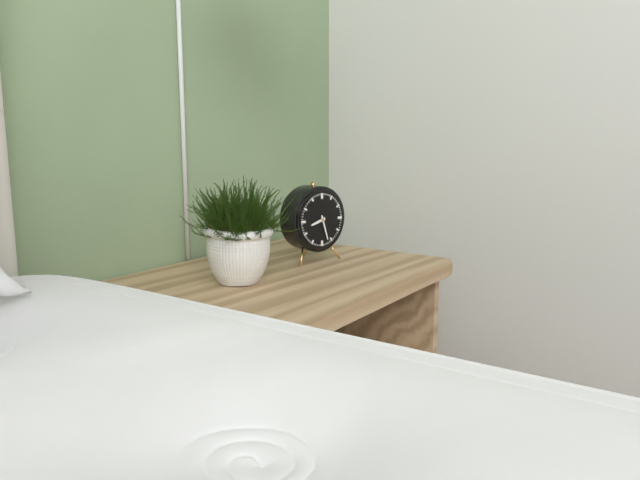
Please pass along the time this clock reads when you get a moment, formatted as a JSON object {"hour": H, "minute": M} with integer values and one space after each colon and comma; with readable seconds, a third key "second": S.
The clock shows {"hour": 8, "minute": 27}
